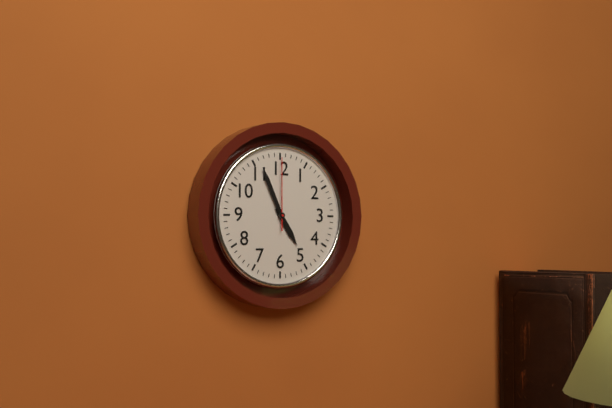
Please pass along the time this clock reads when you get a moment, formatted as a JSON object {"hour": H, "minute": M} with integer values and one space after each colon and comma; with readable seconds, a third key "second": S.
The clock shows {"hour": 4, "minute": 56, "second": 0}
